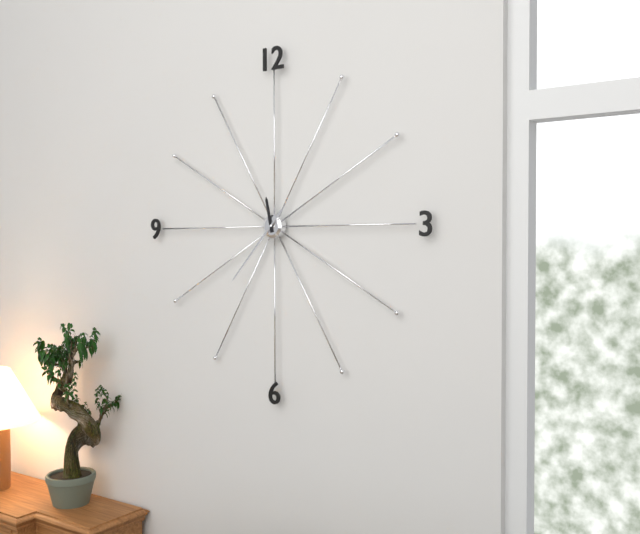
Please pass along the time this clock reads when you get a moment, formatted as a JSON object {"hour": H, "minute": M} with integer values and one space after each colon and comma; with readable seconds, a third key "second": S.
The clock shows {"hour": 11, "minute": 37}
